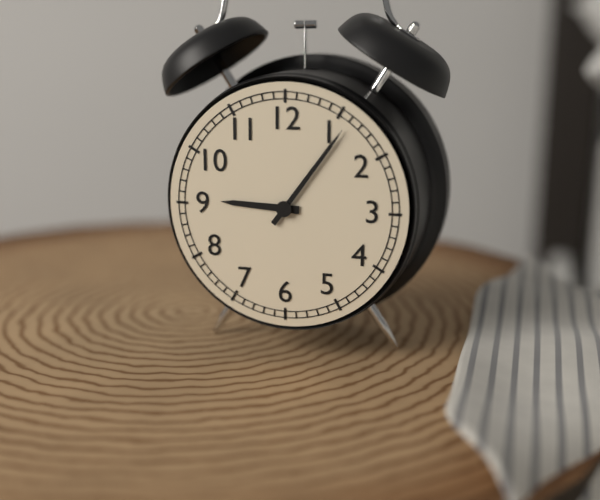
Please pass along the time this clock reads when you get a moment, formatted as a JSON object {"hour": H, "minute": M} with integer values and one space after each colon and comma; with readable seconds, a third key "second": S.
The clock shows {"hour": 9, "minute": 6}
